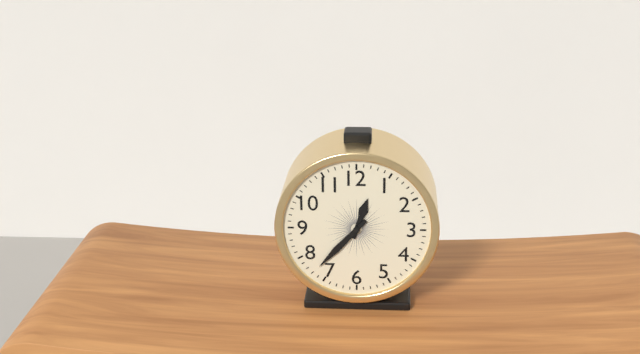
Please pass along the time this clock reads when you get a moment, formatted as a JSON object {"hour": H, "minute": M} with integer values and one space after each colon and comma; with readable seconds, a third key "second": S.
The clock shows {"hour": 12, "minute": 37}
